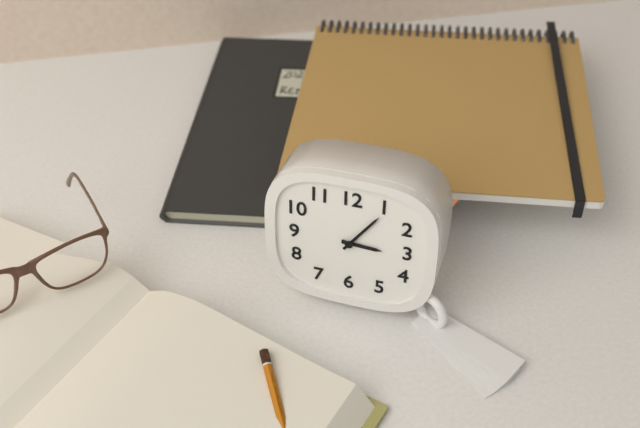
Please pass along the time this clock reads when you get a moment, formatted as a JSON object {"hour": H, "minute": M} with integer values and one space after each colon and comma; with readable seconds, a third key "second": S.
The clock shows {"hour": 3, "minute": 6}
